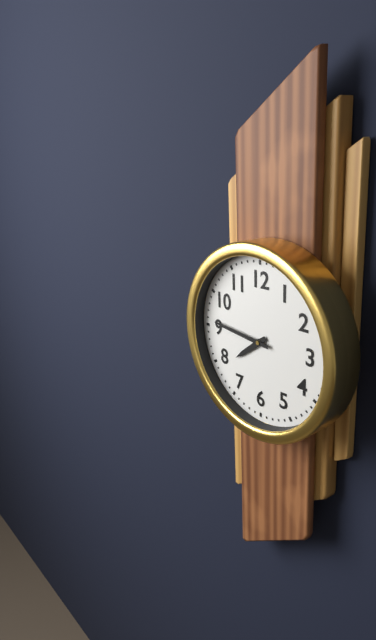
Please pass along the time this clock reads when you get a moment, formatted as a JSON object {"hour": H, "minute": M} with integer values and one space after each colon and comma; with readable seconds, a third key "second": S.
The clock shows {"hour": 7, "minute": 46}
